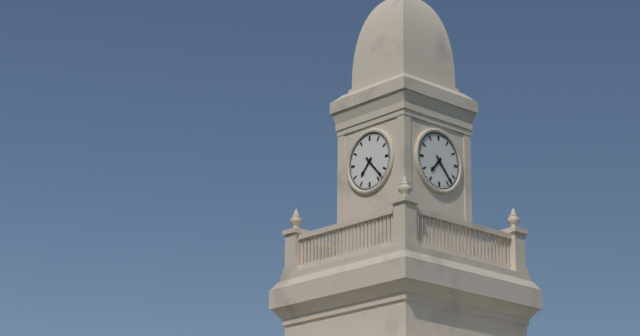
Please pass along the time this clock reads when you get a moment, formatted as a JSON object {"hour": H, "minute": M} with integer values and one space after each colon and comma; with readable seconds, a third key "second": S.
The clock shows {"hour": 7, "minute": 23}
